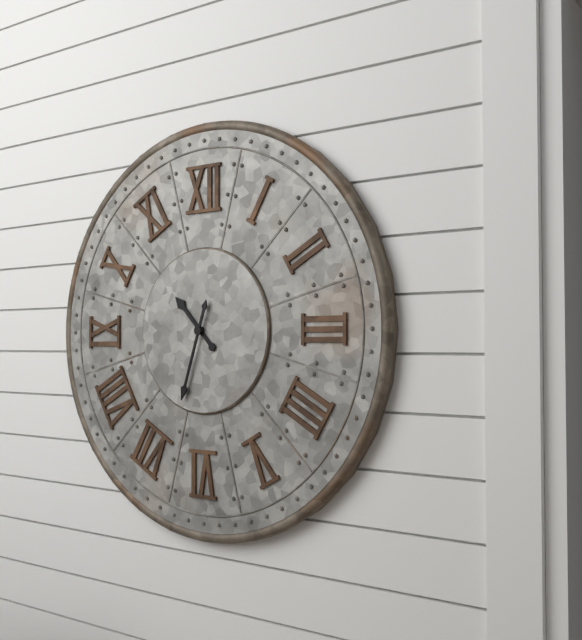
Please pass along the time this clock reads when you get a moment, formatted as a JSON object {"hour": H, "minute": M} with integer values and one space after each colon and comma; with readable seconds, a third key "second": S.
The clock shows {"hour": 10, "minute": 33}
